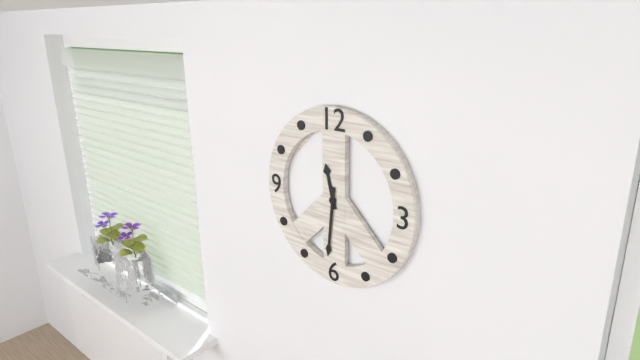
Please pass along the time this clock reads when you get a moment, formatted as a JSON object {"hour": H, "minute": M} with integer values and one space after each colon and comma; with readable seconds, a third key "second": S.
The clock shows {"hour": 11, "minute": 31}
